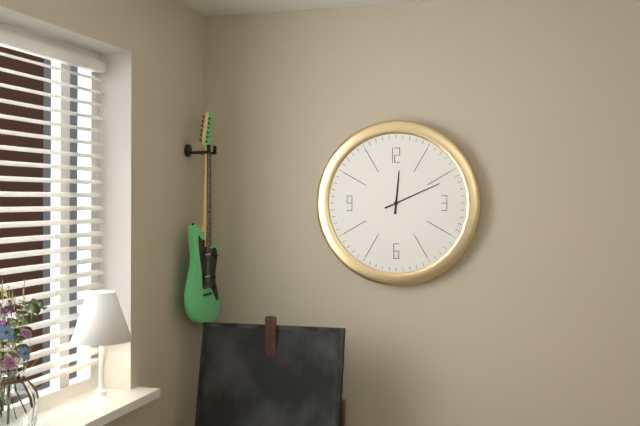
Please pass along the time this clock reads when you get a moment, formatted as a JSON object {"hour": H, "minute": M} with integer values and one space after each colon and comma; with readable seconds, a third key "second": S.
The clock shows {"hour": 12, "minute": 11}
